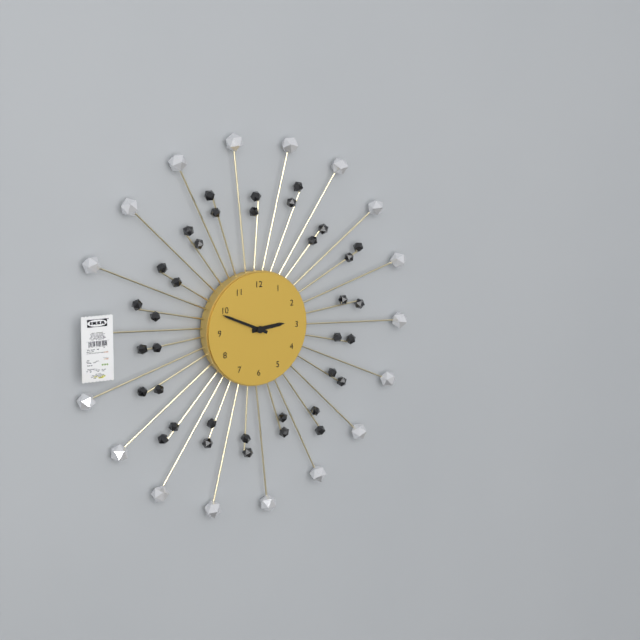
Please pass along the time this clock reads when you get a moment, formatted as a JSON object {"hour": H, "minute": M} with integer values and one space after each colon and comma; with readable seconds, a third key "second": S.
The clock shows {"hour": 2, "minute": 49}
